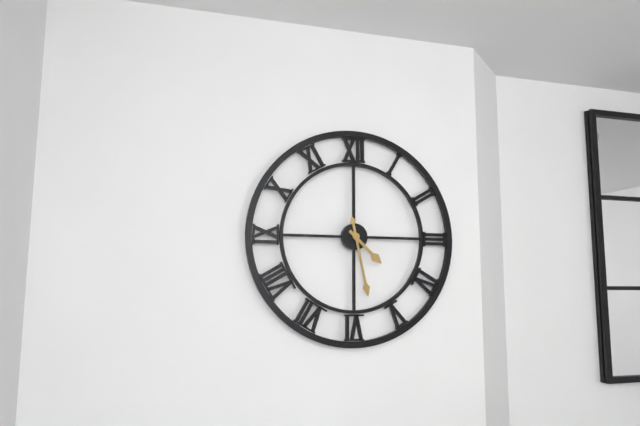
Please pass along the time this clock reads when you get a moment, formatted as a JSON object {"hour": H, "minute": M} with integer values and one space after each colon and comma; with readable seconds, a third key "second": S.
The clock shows {"hour": 4, "minute": 28}
